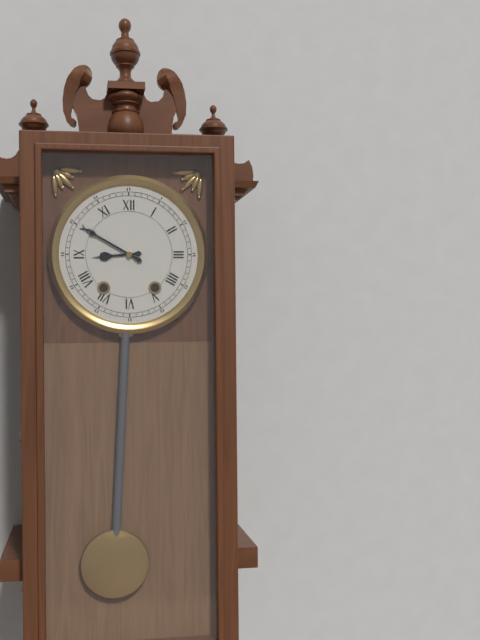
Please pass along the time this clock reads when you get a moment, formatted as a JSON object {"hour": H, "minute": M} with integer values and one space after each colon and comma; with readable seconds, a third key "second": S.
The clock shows {"hour": 8, "minute": 50}
